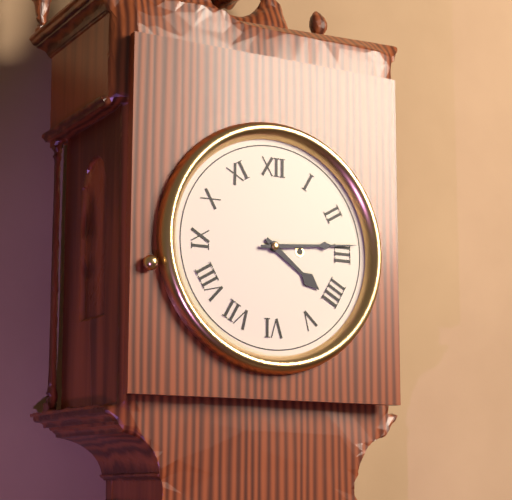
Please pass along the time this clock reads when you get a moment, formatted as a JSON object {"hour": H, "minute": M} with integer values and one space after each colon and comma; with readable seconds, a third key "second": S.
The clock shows {"hour": 4, "minute": 14}
